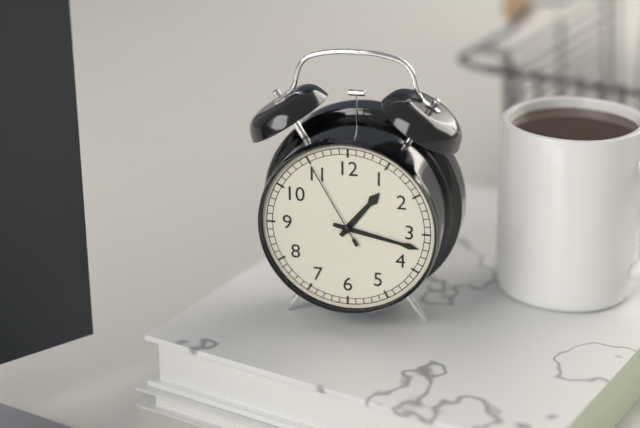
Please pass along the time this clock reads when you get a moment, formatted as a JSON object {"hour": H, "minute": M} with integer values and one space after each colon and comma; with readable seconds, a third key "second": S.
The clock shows {"hour": 1, "minute": 17, "second": 55}
